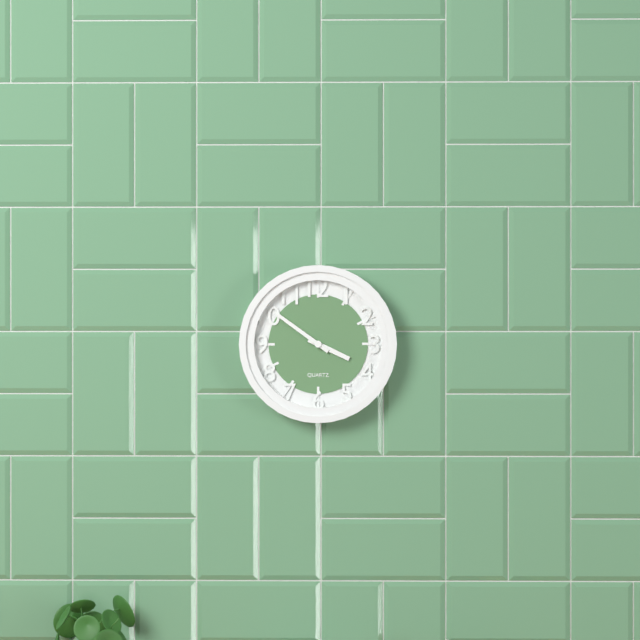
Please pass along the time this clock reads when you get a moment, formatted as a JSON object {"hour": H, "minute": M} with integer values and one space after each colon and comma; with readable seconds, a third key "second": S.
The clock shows {"hour": 3, "minute": 51}
